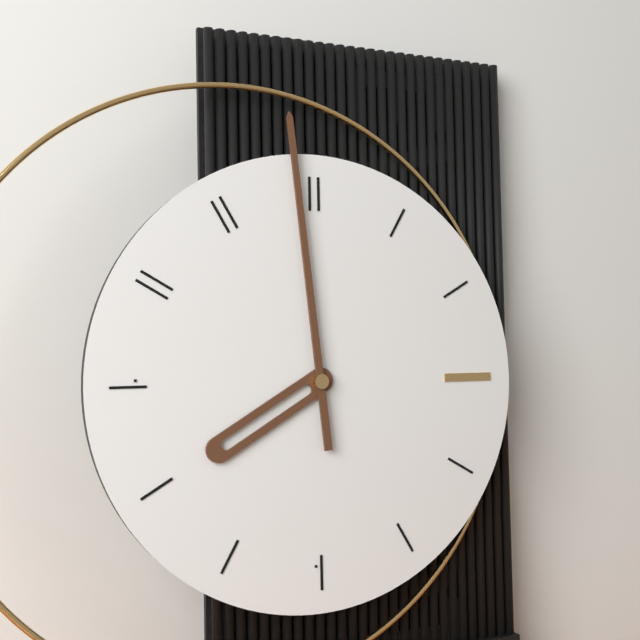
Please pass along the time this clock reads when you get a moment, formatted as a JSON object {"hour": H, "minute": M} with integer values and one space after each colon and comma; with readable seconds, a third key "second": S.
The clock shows {"hour": 7, "minute": 59}
